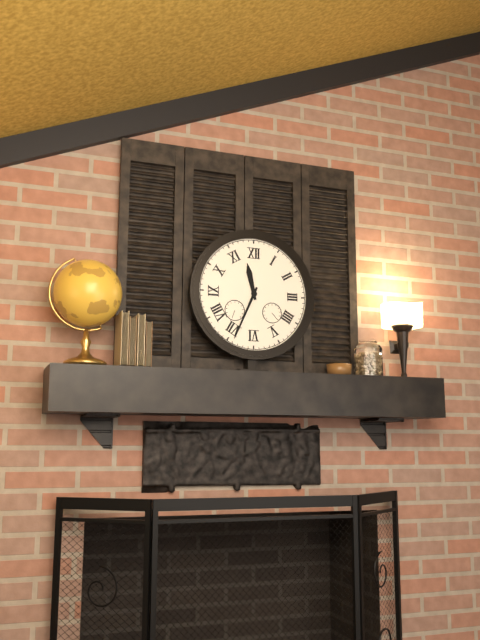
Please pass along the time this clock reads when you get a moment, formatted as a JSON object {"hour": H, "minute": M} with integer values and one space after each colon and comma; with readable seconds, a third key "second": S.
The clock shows {"hour": 11, "minute": 34}
